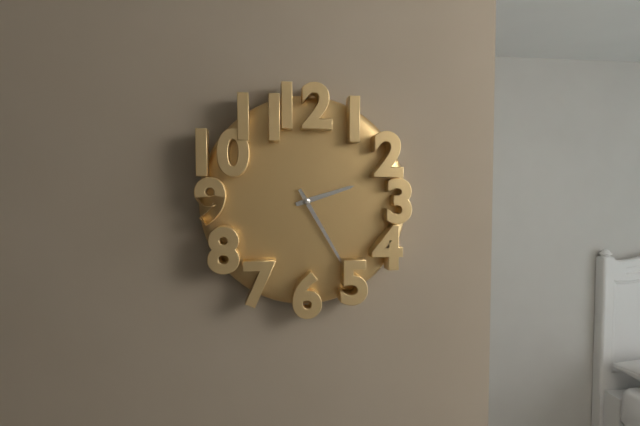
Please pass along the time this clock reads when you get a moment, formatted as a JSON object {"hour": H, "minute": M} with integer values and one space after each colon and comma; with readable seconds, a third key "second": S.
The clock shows {"hour": 2, "minute": 25}
